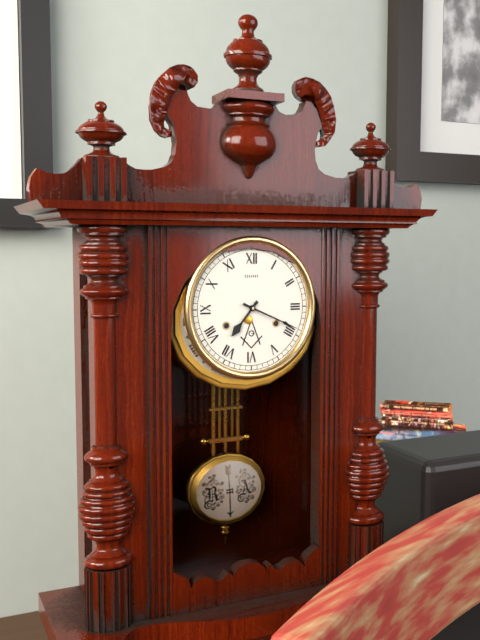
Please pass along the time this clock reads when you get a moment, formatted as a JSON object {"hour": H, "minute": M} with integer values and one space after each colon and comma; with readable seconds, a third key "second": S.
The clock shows {"hour": 7, "minute": 19}
